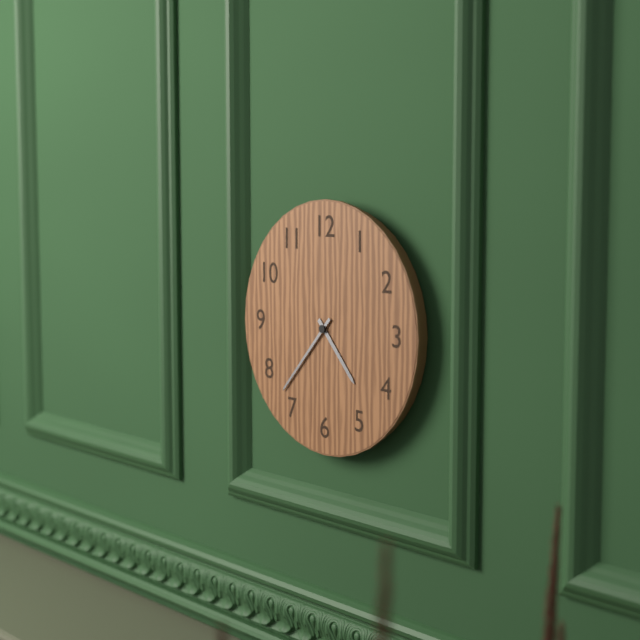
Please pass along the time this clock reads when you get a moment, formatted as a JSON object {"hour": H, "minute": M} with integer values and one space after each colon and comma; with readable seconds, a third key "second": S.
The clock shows {"hour": 4, "minute": 37}
